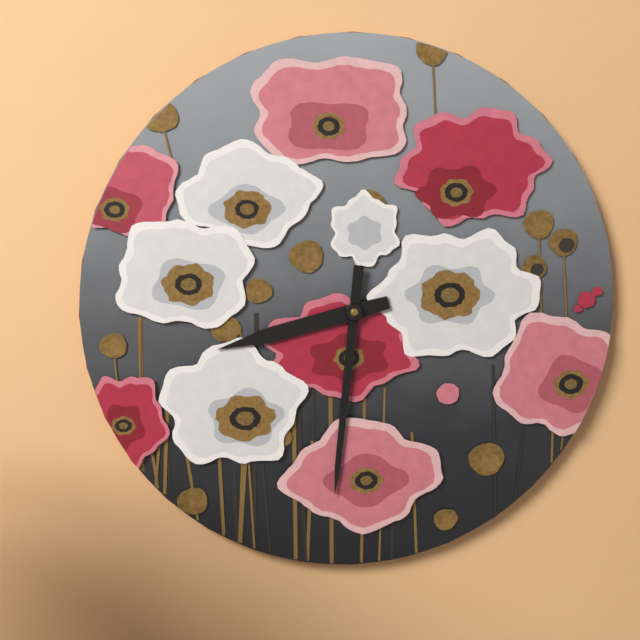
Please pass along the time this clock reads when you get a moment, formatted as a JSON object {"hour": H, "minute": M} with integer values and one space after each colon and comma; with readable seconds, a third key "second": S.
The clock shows {"hour": 8, "minute": 31}
